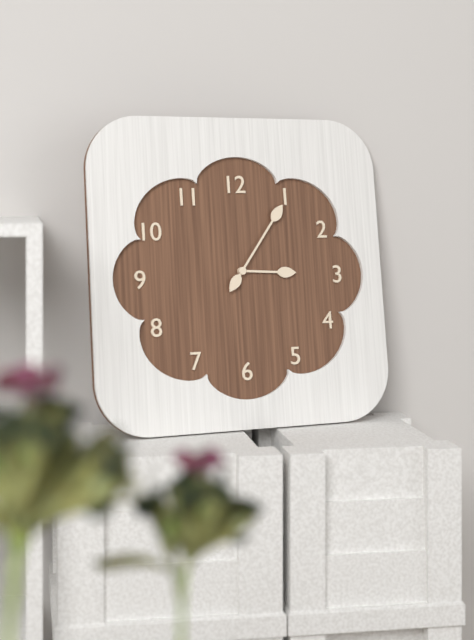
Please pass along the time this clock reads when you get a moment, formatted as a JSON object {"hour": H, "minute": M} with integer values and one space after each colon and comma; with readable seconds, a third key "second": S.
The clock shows {"hour": 3, "minute": 6}
